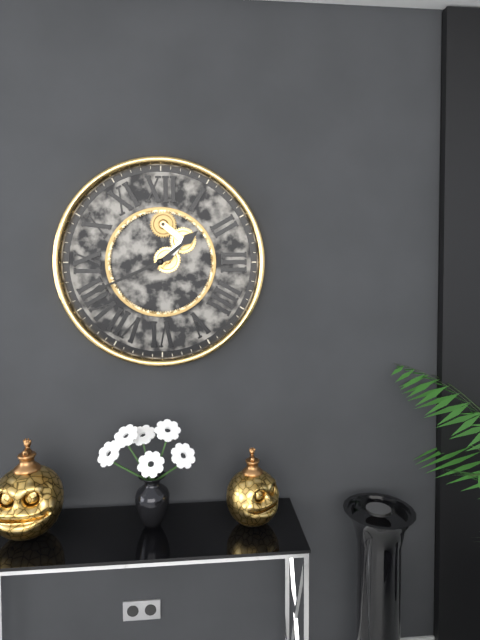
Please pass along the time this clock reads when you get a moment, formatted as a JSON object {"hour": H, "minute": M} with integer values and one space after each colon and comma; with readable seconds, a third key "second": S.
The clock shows {"hour": 1, "minute": 41}
